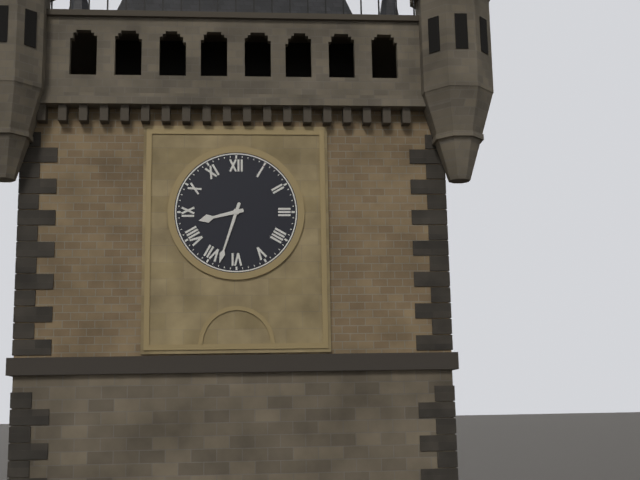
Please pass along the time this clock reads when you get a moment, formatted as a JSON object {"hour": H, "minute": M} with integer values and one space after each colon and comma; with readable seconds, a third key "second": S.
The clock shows {"hour": 8, "minute": 33}
